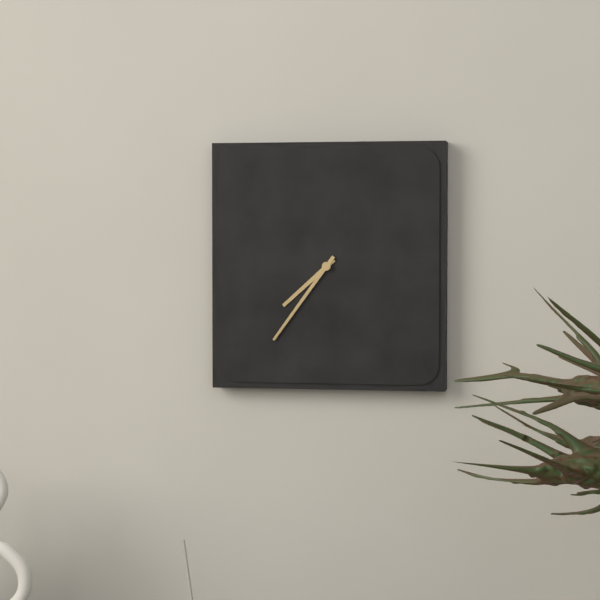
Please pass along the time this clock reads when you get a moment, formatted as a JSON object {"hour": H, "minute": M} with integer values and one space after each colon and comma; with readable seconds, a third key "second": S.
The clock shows {"hour": 7, "minute": 36}
